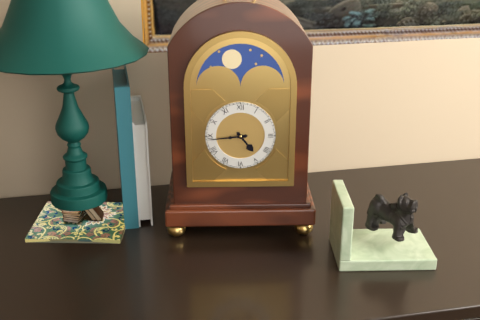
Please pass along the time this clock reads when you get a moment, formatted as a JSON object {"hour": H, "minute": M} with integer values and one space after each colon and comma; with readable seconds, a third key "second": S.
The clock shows {"hour": 4, "minute": 44}
